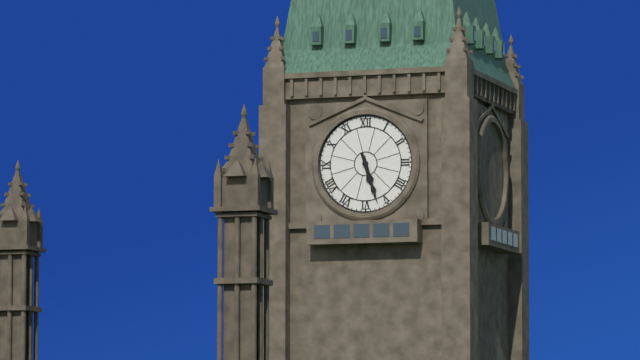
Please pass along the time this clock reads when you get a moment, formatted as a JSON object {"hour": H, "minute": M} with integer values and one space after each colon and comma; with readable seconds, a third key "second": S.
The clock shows {"hour": 5, "minute": 27}
